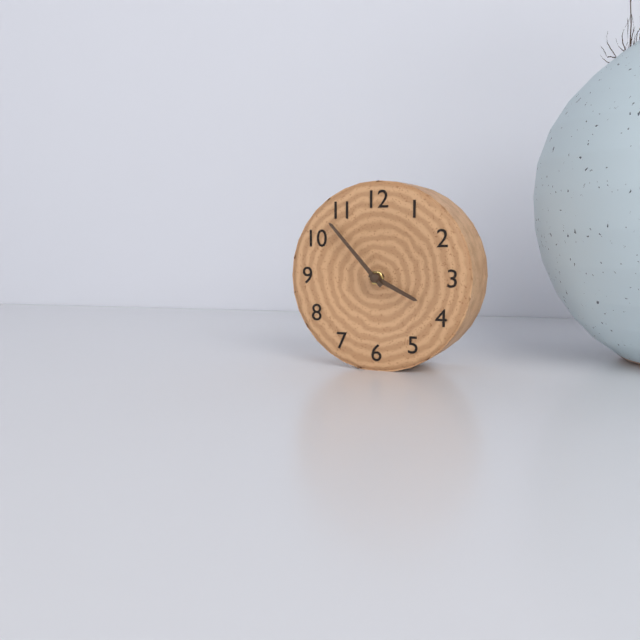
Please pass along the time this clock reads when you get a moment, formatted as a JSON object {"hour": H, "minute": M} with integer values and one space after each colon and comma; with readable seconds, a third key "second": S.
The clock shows {"hour": 3, "minute": 53}
